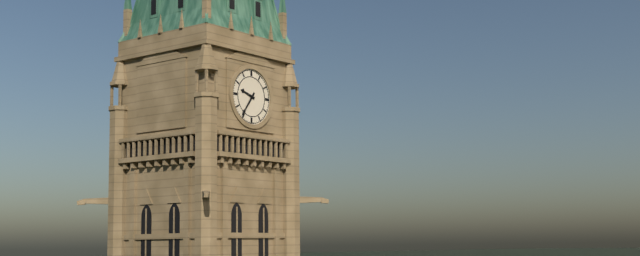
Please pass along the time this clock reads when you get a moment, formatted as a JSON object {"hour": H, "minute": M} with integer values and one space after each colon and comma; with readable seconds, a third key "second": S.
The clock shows {"hour": 9, "minute": 36}
